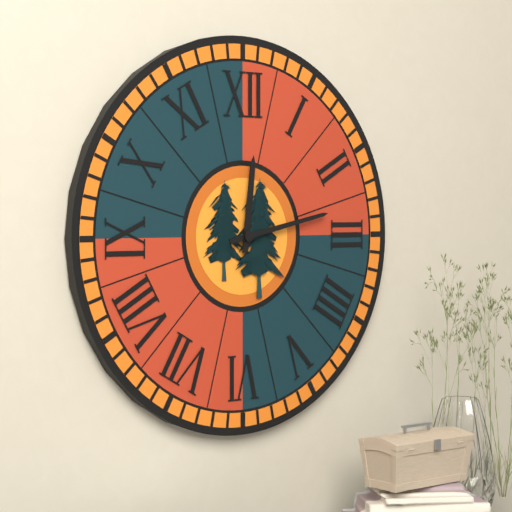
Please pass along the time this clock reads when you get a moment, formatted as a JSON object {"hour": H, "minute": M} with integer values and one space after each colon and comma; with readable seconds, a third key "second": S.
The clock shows {"hour": 12, "minute": 13}
